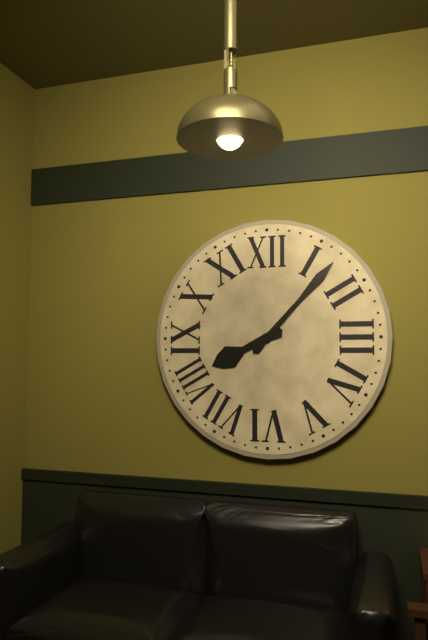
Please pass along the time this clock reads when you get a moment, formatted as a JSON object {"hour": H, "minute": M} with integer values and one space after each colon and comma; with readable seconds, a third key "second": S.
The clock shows {"hour": 8, "minute": 7}
